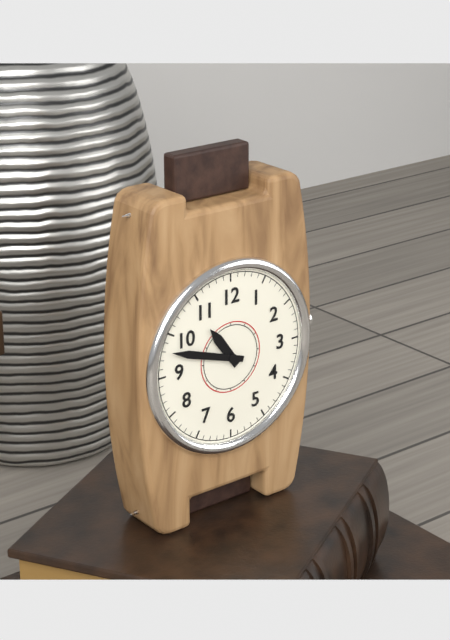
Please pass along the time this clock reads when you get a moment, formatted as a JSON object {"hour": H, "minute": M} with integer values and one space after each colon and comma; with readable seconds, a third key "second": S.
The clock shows {"hour": 10, "minute": 48}
